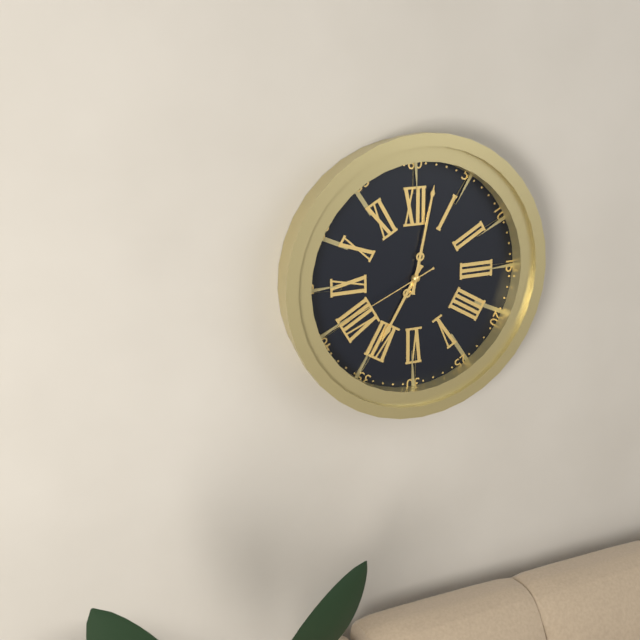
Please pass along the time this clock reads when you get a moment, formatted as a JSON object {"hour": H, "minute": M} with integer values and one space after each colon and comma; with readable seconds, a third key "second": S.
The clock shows {"hour": 7, "minute": 2, "second": 41}
